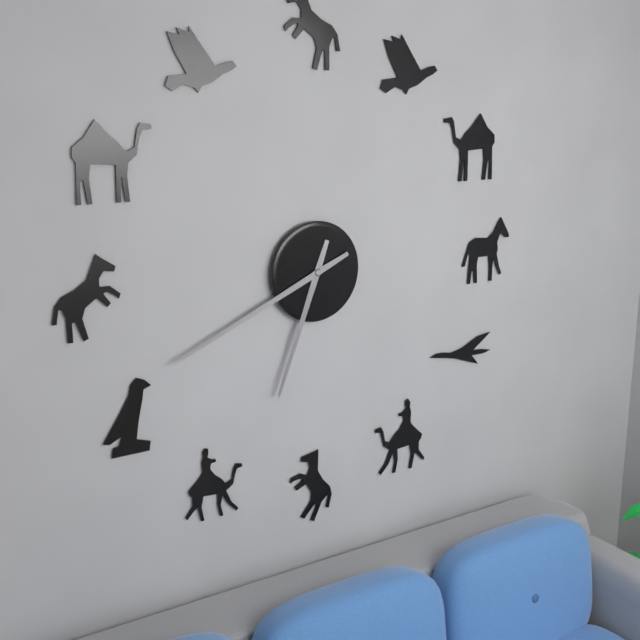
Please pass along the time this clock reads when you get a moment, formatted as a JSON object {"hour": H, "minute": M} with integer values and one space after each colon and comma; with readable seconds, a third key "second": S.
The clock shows {"hour": 6, "minute": 41}
